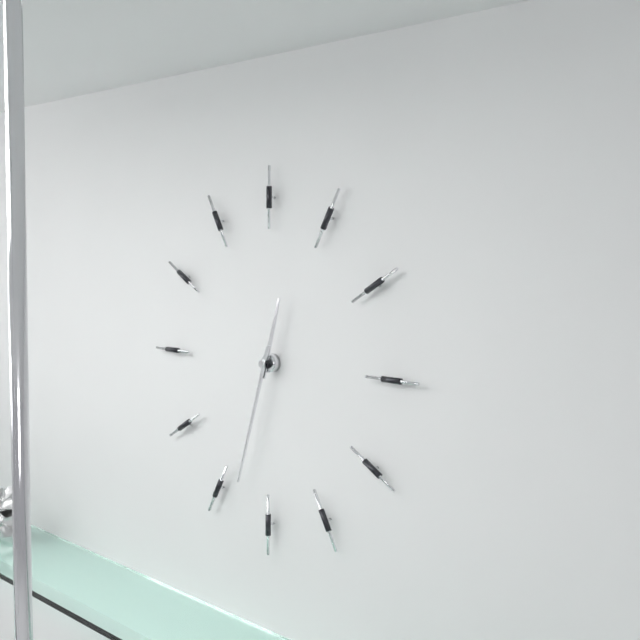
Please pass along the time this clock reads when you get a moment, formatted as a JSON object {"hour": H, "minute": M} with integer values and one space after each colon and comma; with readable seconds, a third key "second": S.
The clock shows {"hour": 12, "minute": 33}
